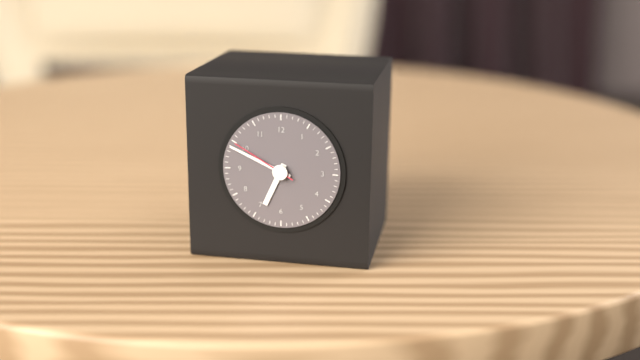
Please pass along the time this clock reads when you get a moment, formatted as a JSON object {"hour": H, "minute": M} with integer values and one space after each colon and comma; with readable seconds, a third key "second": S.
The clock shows {"hour": 6, "minute": 49, "second": 50}
